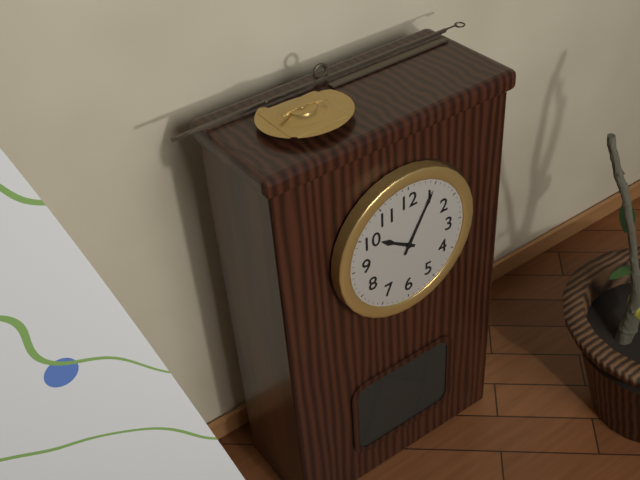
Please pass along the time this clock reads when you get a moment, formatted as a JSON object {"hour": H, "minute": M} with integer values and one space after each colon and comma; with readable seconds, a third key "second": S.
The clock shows {"hour": 10, "minute": 5}
